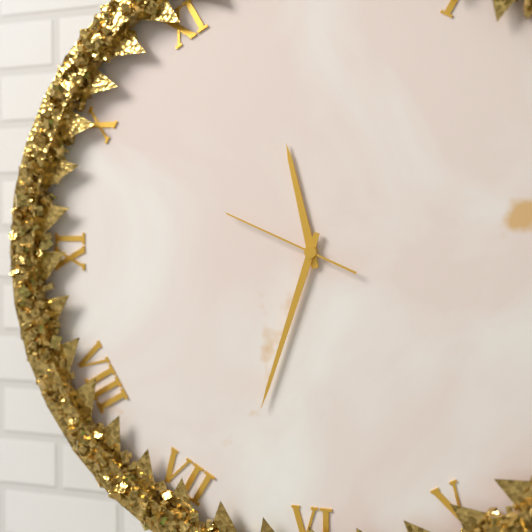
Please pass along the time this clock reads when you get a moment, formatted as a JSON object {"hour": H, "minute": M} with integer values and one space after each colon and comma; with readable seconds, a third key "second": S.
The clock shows {"hour": 11, "minute": 33, "second": 49}
